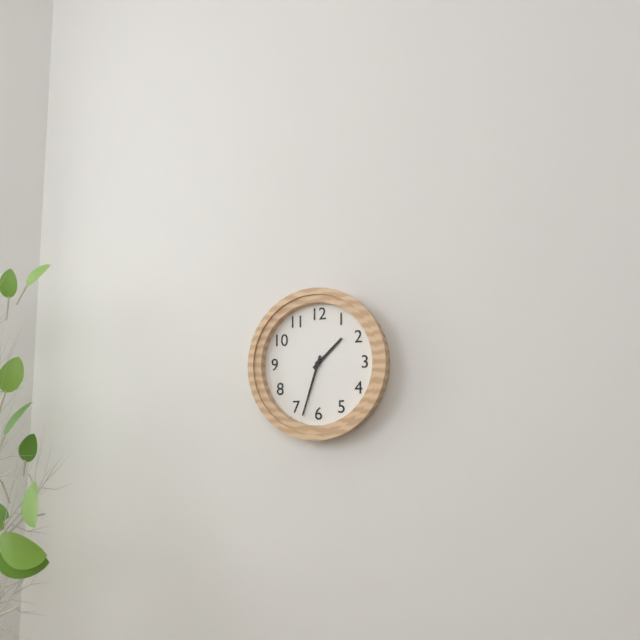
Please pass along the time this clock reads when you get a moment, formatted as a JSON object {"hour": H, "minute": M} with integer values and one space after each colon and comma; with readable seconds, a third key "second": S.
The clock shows {"hour": 1, "minute": 33}
